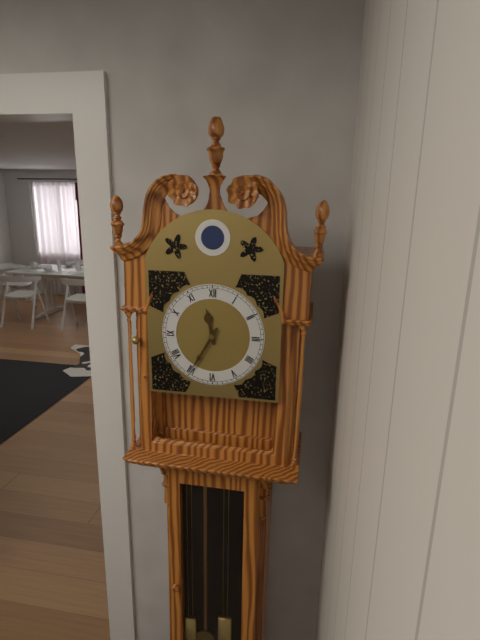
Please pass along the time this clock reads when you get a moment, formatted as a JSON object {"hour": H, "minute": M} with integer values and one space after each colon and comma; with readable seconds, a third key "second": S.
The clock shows {"hour": 11, "minute": 35}
